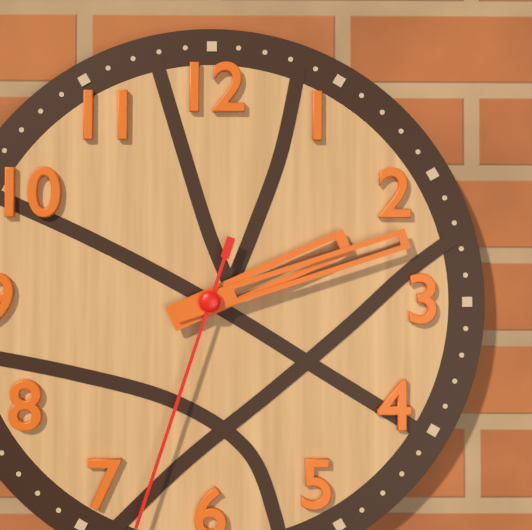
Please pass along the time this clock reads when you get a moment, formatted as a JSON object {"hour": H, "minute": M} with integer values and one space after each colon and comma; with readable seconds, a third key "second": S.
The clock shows {"hour": 2, "minute": 12, "second": 33}
